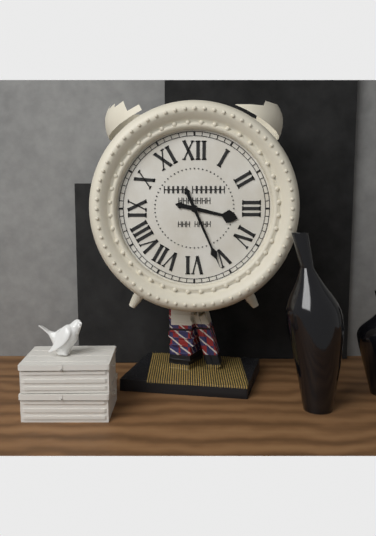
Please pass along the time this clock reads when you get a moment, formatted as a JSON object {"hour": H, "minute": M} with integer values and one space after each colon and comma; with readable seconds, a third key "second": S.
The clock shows {"hour": 3, "minute": 26}
